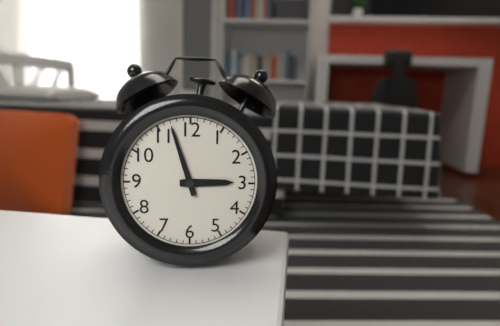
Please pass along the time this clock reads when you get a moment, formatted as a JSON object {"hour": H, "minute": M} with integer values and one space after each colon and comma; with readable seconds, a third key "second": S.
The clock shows {"hour": 2, "minute": 57}
